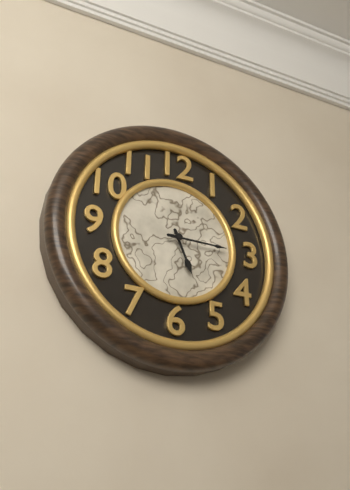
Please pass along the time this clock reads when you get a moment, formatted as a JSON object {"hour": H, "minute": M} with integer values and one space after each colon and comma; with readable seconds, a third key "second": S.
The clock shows {"hour": 5, "minute": 15}
